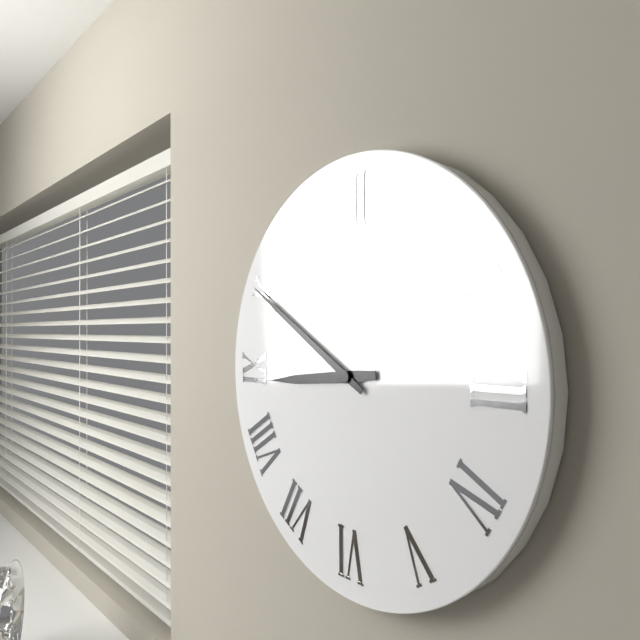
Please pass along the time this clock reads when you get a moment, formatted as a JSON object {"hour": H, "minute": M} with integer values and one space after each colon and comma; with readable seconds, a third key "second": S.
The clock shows {"hour": 8, "minute": 50}
